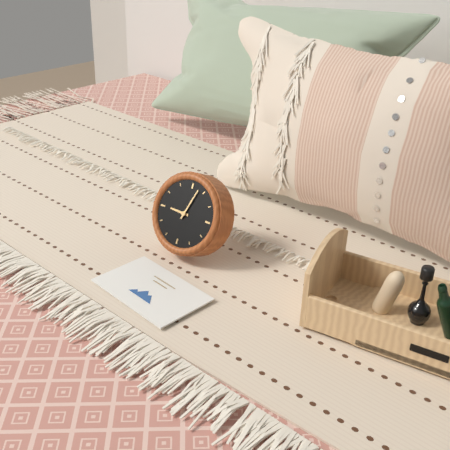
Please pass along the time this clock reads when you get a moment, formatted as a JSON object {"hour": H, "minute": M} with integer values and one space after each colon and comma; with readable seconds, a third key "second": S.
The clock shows {"hour": 9, "minute": 3}
